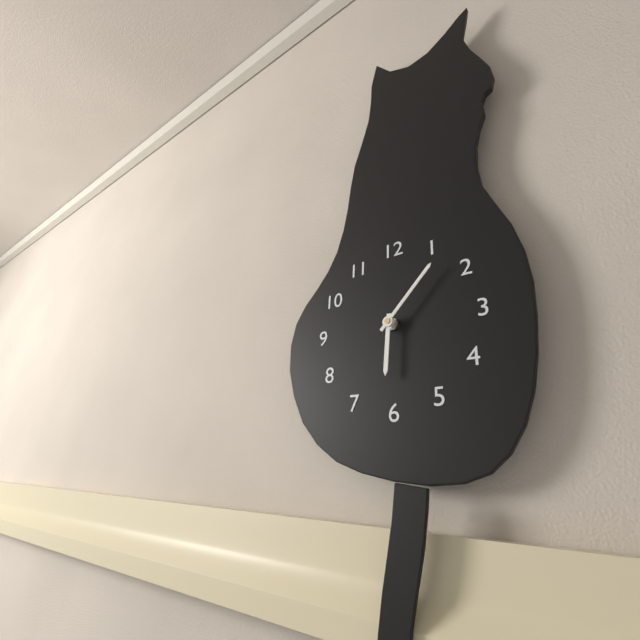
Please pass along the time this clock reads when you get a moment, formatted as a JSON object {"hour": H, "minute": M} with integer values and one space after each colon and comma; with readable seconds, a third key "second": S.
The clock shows {"hour": 6, "minute": 7}
